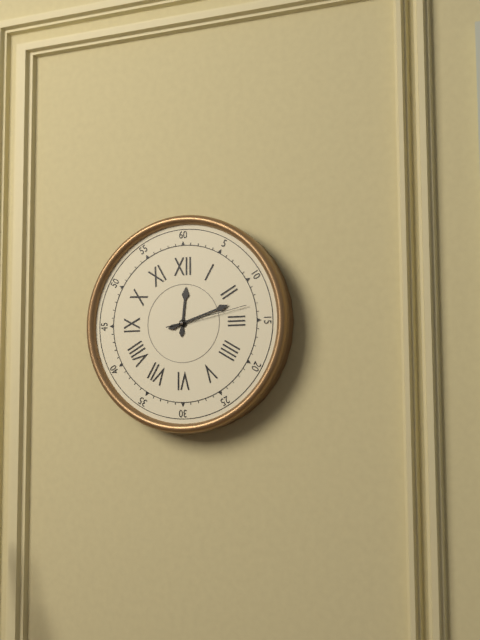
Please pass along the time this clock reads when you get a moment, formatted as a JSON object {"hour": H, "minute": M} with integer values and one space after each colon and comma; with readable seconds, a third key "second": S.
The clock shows {"hour": 12, "minute": 12, "second": 13}
